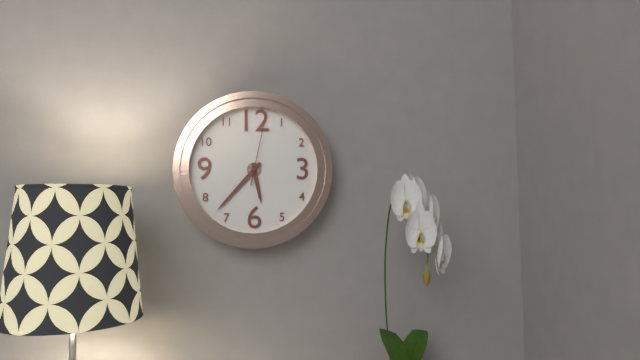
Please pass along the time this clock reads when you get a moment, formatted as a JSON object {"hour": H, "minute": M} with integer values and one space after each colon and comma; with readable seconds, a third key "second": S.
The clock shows {"hour": 5, "minute": 37, "second": 2}
